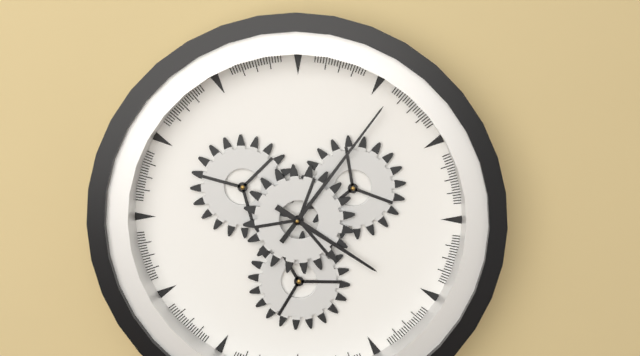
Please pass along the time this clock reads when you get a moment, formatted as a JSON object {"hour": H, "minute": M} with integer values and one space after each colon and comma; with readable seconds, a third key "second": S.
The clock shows {"hour": 4, "minute": 6}
